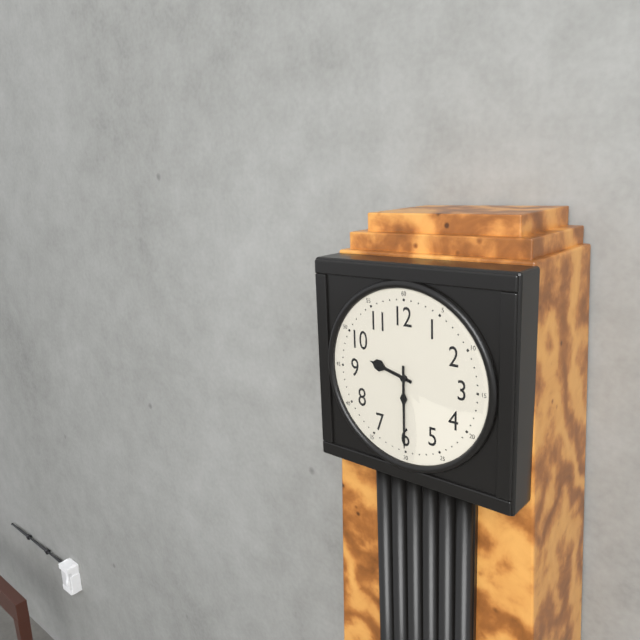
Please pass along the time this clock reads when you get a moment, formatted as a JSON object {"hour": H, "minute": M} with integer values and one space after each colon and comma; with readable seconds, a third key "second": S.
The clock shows {"hour": 9, "minute": 30}
